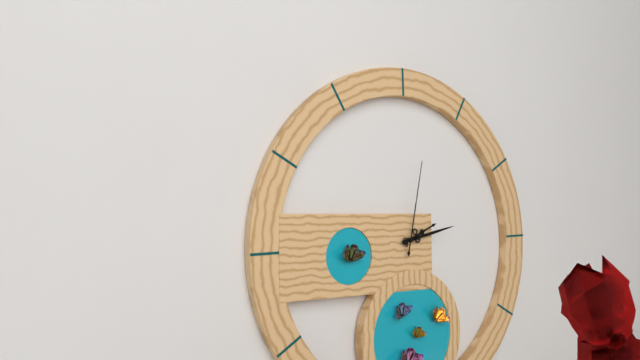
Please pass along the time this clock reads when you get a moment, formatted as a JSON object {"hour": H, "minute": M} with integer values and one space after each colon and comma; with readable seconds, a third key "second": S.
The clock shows {"hour": 2, "minute": 13, "second": 2}
